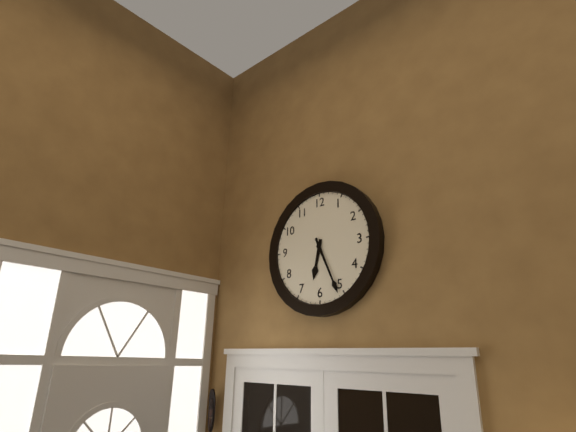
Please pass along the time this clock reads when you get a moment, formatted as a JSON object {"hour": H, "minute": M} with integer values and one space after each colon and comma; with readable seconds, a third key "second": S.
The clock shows {"hour": 6, "minute": 26}
